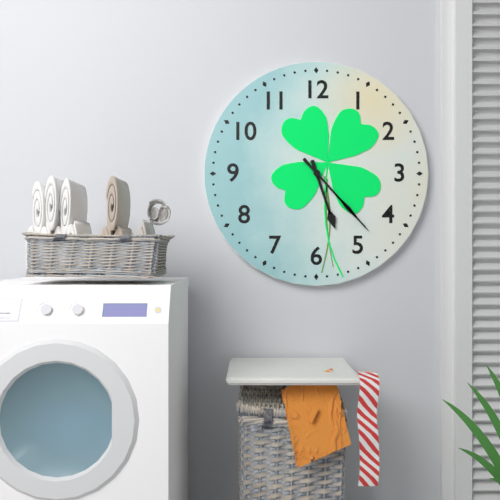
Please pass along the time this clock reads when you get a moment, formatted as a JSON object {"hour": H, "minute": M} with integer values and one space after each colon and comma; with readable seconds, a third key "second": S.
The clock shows {"hour": 5, "minute": 23}
